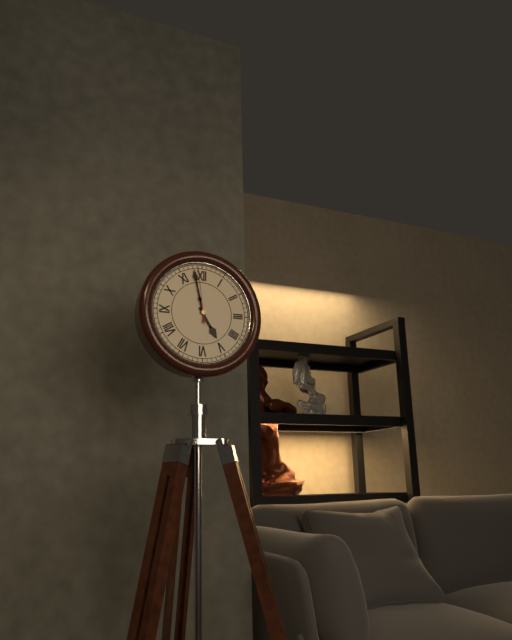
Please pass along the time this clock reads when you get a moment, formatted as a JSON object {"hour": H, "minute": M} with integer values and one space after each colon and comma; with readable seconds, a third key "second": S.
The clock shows {"hour": 4, "minute": 58, "second": 59}
